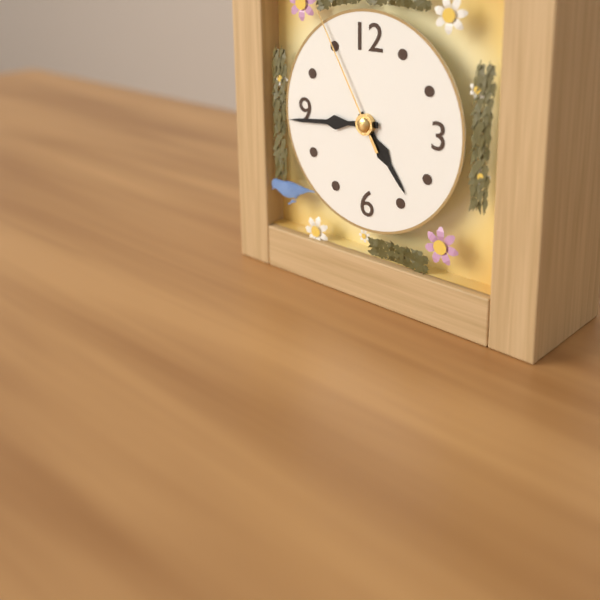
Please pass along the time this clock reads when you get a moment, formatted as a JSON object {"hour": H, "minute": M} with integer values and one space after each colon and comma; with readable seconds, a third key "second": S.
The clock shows {"hour": 4, "minute": 44, "second": 55}
